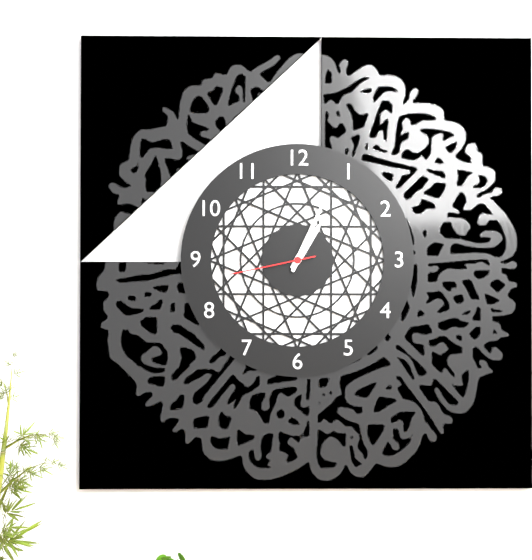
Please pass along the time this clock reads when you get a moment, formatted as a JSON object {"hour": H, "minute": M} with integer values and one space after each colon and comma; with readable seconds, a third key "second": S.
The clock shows {"hour": 1, "minute": 4, "second": 43}
